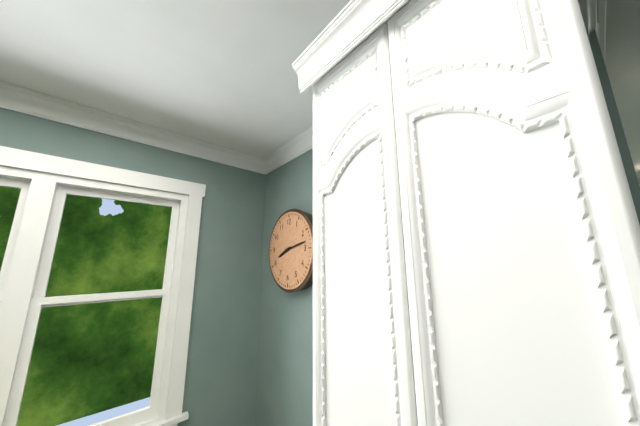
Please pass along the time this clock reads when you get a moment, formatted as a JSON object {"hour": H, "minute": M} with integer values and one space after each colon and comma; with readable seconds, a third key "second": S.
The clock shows {"hour": 8, "minute": 13}
